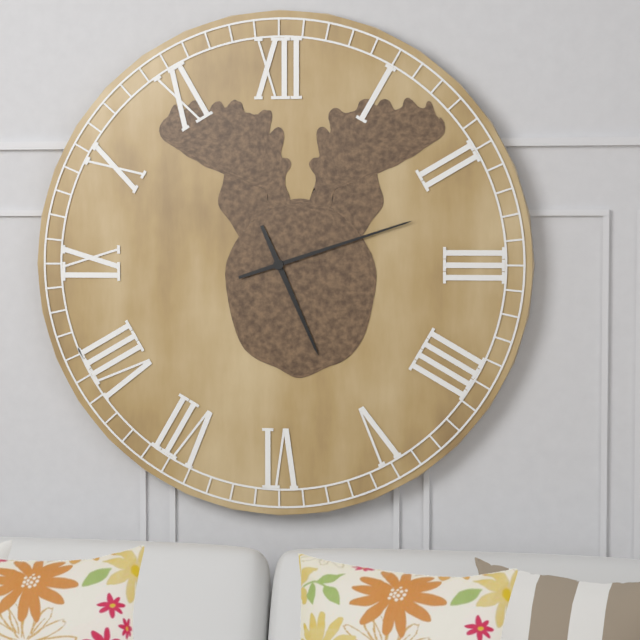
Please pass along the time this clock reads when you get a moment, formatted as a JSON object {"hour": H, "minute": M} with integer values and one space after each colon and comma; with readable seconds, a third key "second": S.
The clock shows {"hour": 5, "minute": 12}
